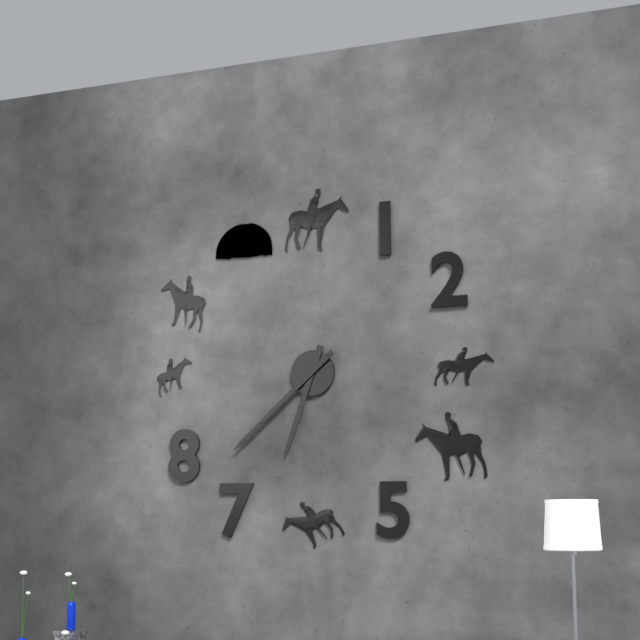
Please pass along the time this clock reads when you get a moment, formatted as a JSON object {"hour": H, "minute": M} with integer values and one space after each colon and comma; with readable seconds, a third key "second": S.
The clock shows {"hour": 6, "minute": 38}
